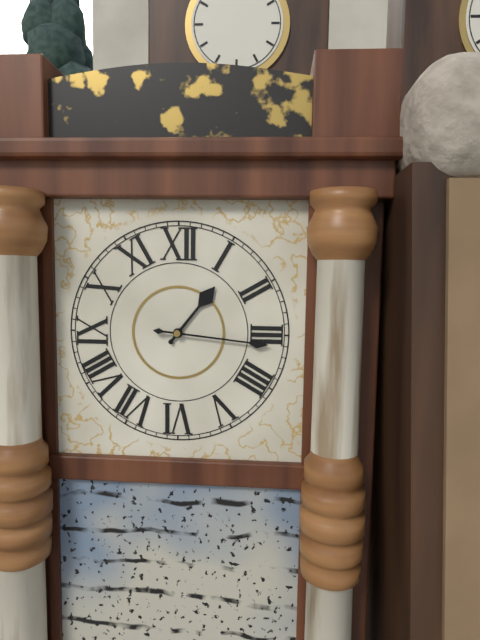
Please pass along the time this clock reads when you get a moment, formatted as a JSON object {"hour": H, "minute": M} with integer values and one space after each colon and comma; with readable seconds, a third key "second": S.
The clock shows {"hour": 1, "minute": 16}
